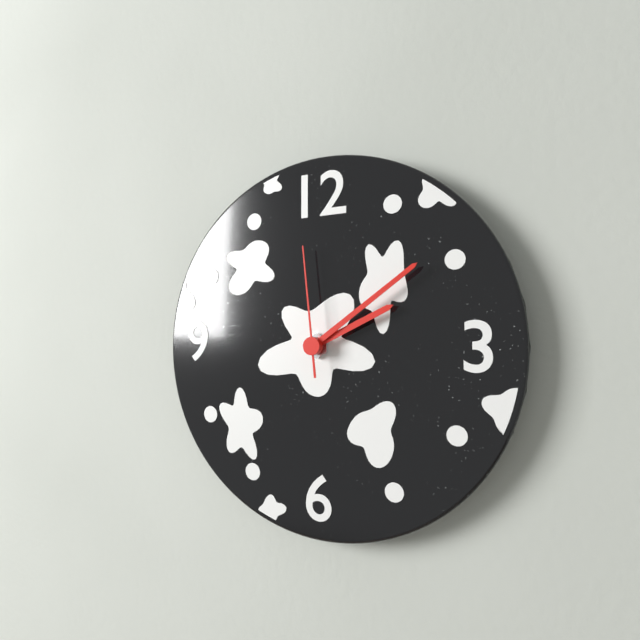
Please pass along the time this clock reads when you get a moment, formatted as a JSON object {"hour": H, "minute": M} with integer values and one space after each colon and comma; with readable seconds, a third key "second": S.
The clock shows {"hour": 2, "minute": 9, "second": 59}
